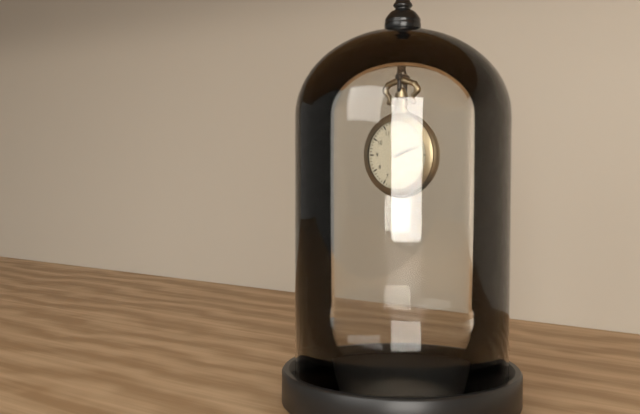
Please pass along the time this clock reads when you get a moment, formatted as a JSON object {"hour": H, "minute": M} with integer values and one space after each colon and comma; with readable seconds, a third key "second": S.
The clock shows {"hour": 2, "minute": 12}
